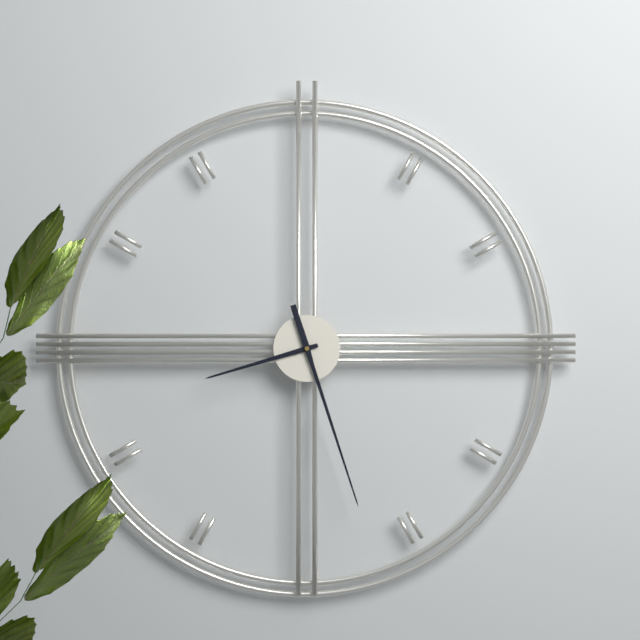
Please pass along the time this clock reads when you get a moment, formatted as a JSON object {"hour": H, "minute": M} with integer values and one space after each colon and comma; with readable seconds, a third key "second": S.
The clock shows {"hour": 8, "minute": 27}
